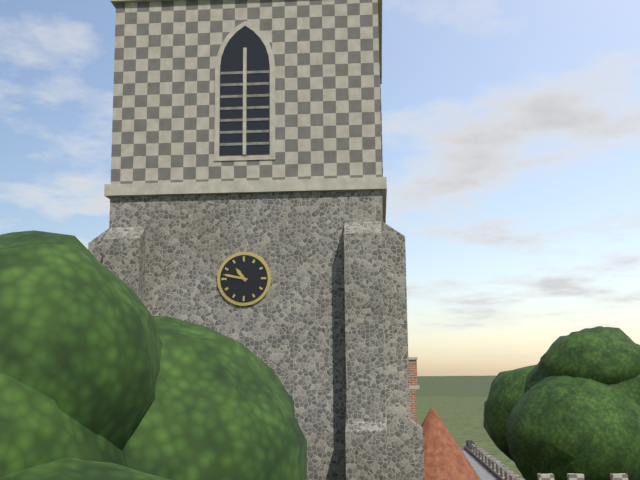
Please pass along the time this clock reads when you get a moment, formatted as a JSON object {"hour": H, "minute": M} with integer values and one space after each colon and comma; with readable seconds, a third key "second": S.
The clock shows {"hour": 10, "minute": 47}
